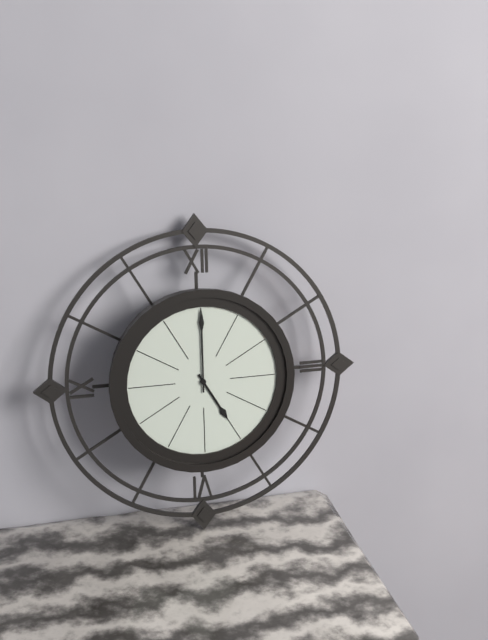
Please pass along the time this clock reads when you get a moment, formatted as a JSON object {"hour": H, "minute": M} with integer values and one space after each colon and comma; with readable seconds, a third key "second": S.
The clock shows {"hour": 5, "minute": 0}
